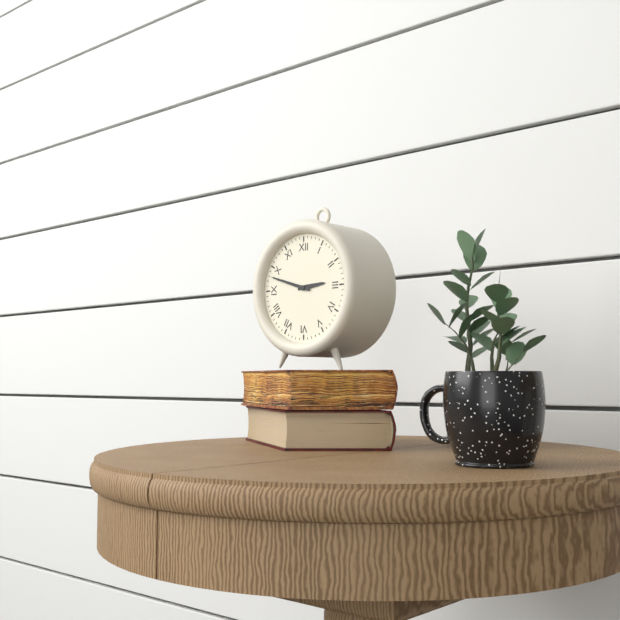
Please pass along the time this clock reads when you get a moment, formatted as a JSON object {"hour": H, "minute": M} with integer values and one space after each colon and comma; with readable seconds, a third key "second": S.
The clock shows {"hour": 2, "minute": 48}
